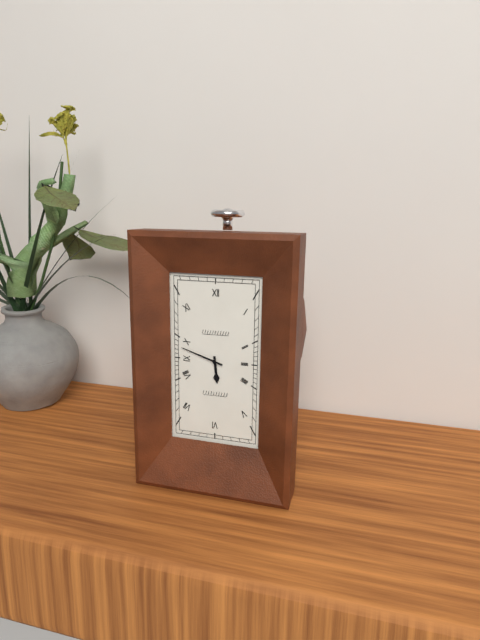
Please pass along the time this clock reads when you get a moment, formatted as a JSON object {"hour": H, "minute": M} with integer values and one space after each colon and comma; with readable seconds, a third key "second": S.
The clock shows {"hour": 5, "minute": 48}
